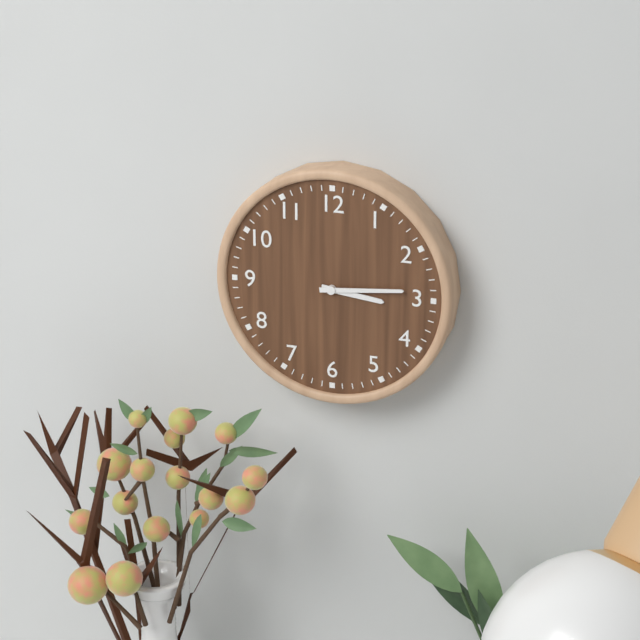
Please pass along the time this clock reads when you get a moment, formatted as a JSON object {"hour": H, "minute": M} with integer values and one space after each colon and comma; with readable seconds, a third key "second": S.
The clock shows {"hour": 3, "minute": 14}
